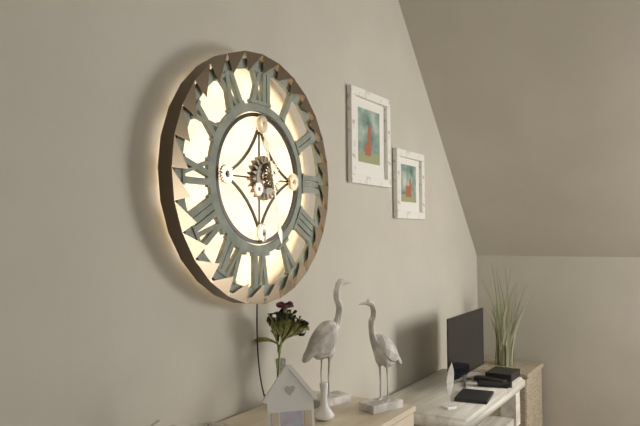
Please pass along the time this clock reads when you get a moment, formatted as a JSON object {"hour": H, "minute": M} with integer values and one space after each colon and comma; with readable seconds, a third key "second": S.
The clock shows {"hour": 11, "minute": 28}
